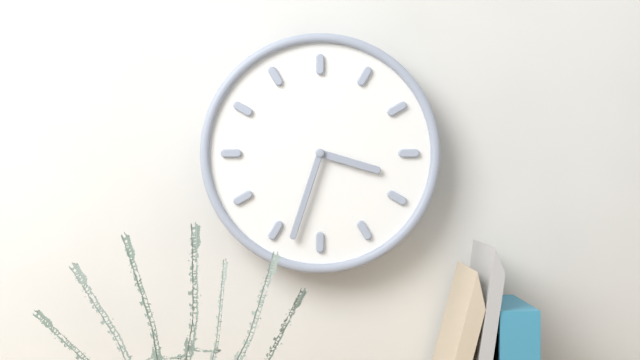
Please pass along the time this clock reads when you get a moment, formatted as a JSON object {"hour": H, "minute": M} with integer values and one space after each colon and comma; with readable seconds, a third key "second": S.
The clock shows {"hour": 3, "minute": 33}
